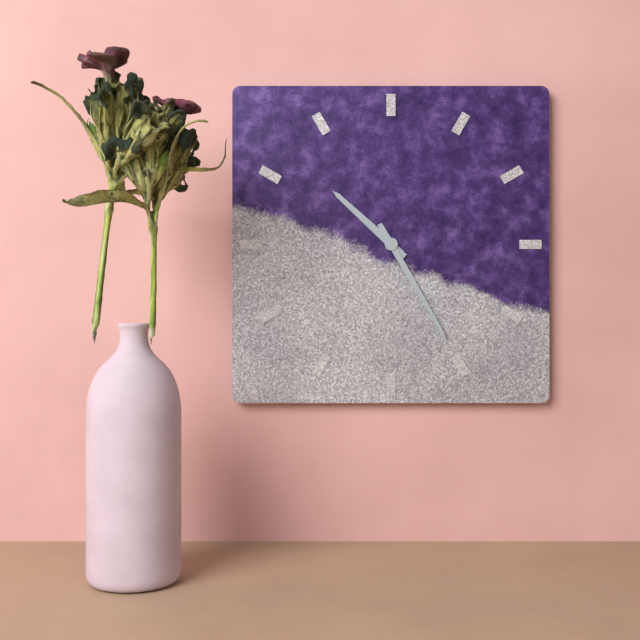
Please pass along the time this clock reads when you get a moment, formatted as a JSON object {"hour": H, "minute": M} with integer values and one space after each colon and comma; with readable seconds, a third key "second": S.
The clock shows {"hour": 10, "minute": 25}
